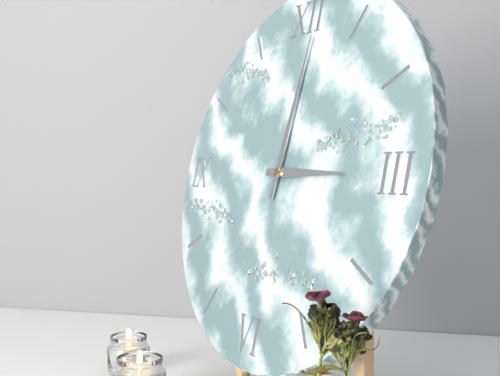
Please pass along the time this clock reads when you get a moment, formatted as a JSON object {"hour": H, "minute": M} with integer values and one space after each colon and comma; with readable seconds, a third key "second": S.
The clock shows {"hour": 3, "minute": 1}
